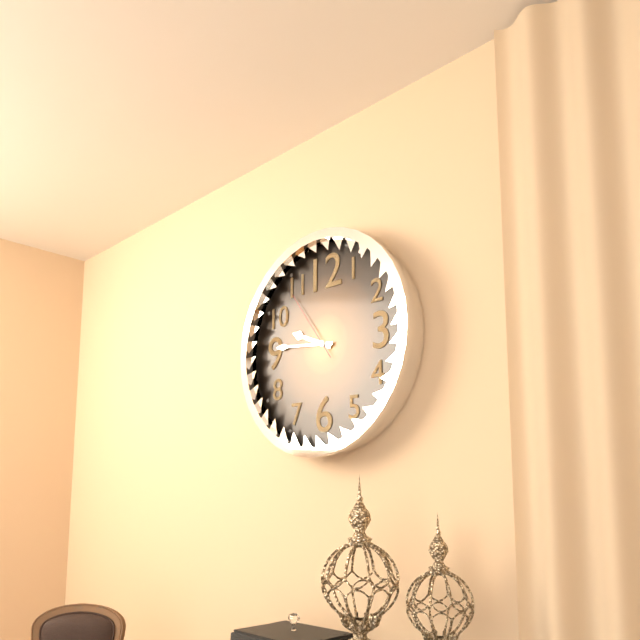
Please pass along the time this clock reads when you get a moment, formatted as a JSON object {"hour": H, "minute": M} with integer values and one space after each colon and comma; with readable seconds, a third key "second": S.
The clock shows {"hour": 9, "minute": 46, "second": 54}
